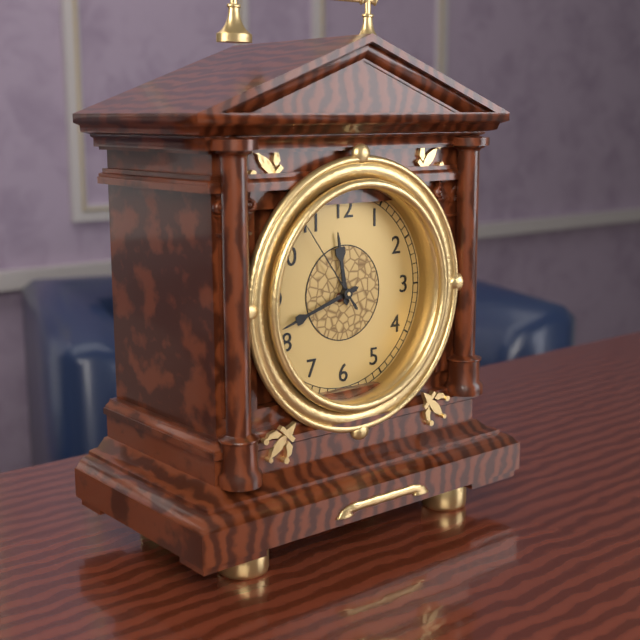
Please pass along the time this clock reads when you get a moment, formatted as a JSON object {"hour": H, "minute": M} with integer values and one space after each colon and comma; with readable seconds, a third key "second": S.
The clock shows {"hour": 11, "minute": 42, "second": 54}
